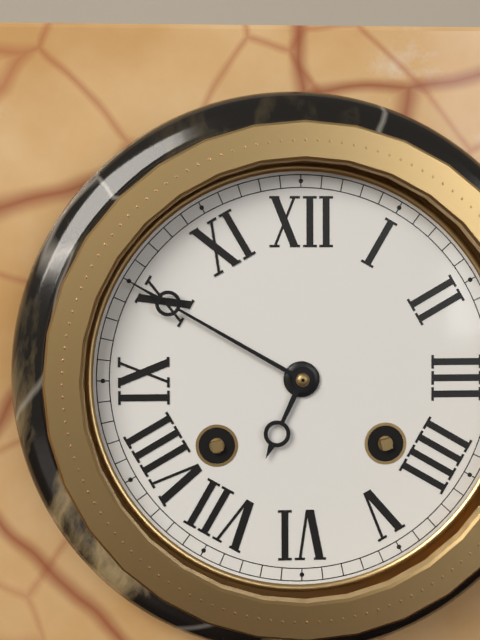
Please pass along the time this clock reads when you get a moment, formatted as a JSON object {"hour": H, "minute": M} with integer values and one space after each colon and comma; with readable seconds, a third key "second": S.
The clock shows {"hour": 6, "minute": 50}
